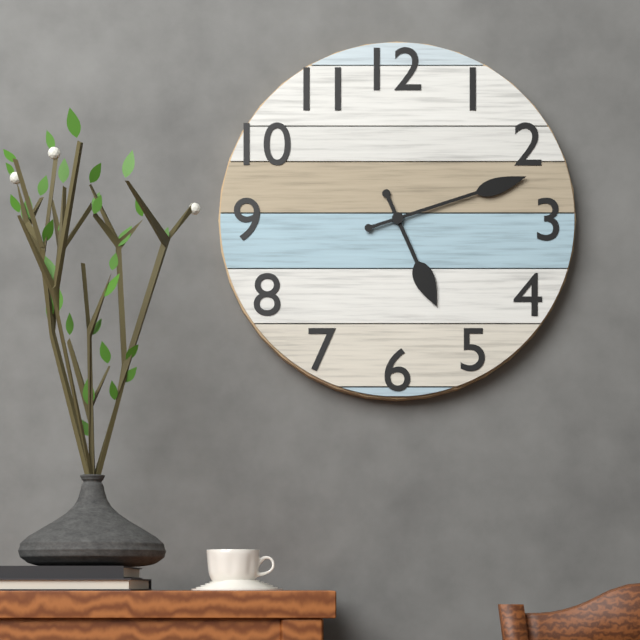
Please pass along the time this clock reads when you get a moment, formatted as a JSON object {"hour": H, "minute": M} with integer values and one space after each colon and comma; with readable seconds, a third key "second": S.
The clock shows {"hour": 5, "minute": 12}
